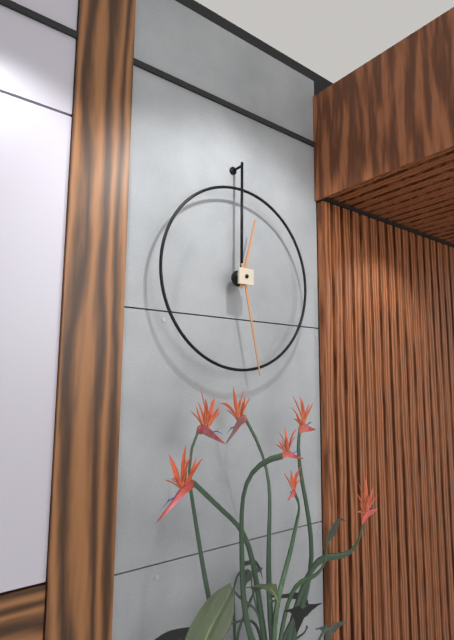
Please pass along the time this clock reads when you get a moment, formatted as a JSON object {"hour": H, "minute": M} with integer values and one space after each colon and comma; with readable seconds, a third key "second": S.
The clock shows {"hour": 12, "minute": 28}
